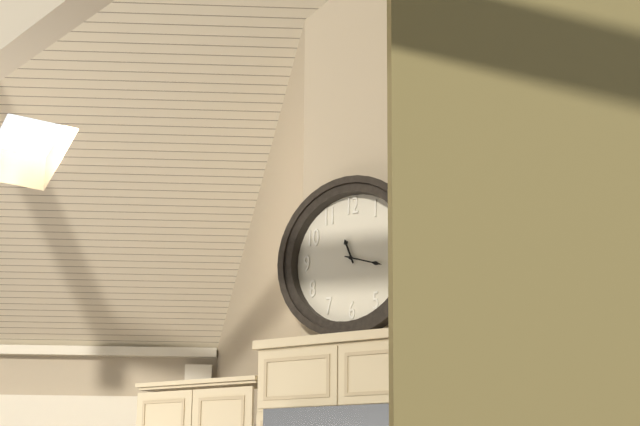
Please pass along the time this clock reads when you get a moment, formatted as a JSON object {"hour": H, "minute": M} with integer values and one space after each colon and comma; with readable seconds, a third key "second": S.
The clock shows {"hour": 11, "minute": 18}
